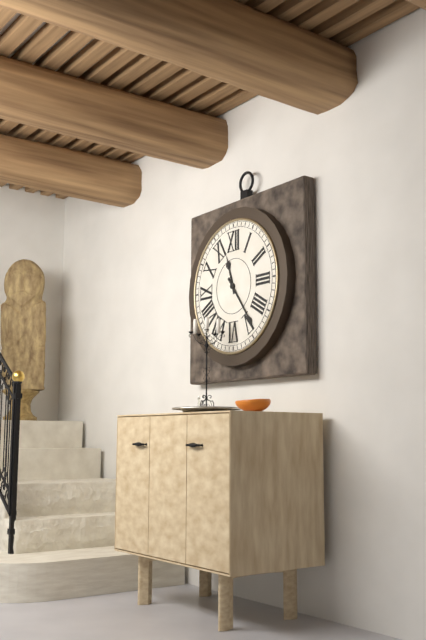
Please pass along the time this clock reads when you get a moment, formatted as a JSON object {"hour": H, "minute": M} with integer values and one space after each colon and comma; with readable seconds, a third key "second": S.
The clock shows {"hour": 11, "minute": 24}
